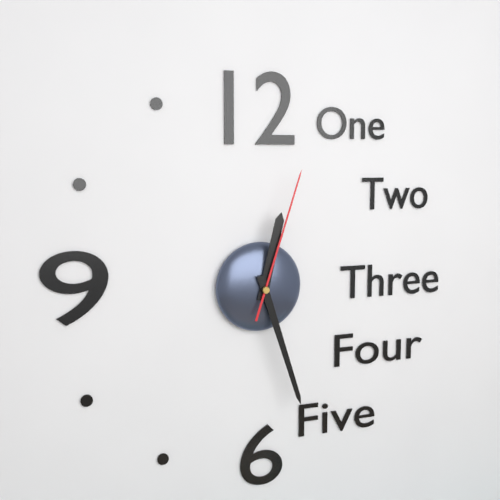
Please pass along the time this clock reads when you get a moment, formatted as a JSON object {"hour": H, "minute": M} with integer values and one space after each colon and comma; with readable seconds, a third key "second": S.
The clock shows {"hour": 12, "minute": 27, "second": 3}
